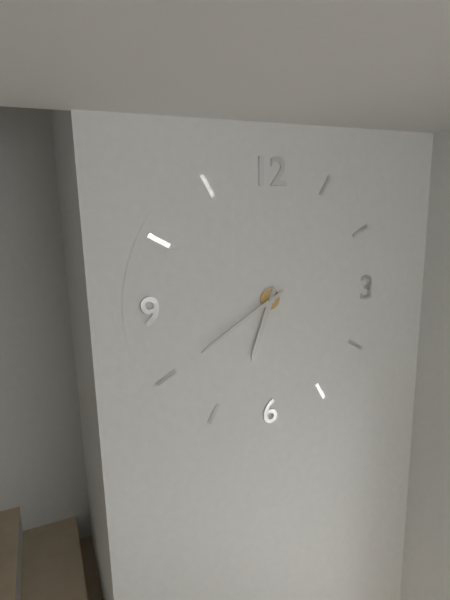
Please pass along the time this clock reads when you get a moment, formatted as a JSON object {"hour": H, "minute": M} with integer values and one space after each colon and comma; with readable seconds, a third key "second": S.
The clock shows {"hour": 6, "minute": 40}
